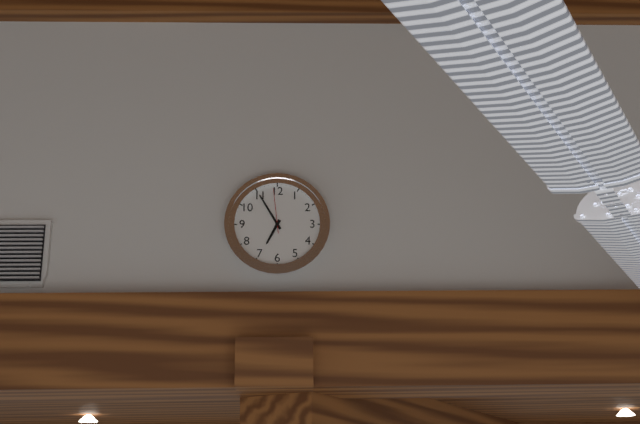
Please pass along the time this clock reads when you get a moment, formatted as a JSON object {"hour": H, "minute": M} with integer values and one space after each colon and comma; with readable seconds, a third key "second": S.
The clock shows {"hour": 6, "minute": 55}
